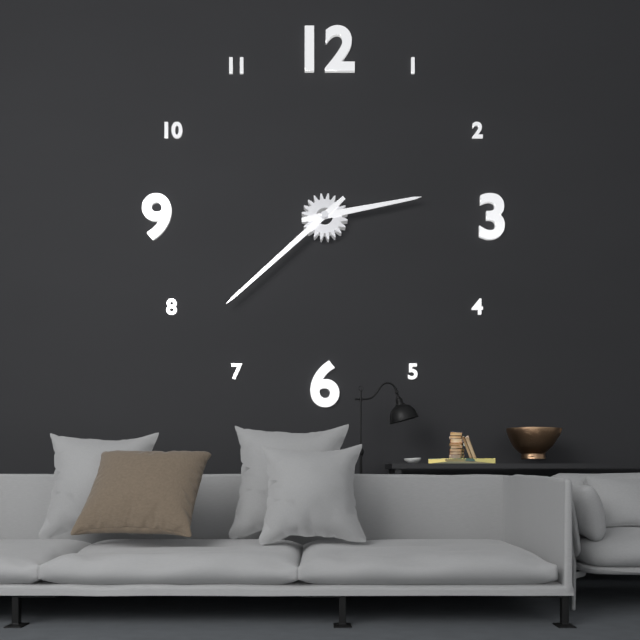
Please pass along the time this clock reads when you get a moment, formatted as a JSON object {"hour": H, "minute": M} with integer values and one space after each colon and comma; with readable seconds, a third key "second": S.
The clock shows {"hour": 2, "minute": 38}
